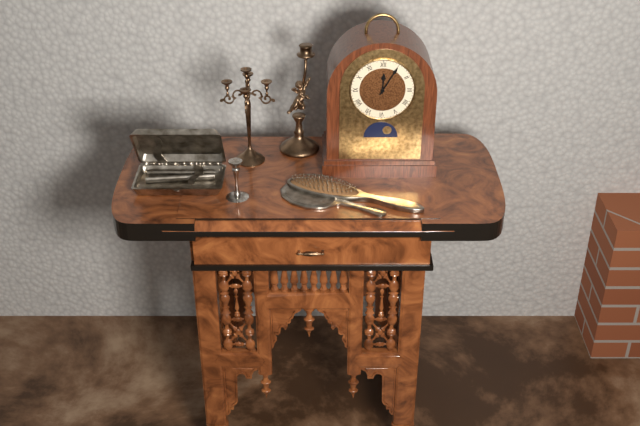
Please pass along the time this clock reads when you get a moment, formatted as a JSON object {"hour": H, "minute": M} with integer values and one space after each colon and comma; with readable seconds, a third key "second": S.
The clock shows {"hour": 12, "minute": 5}
